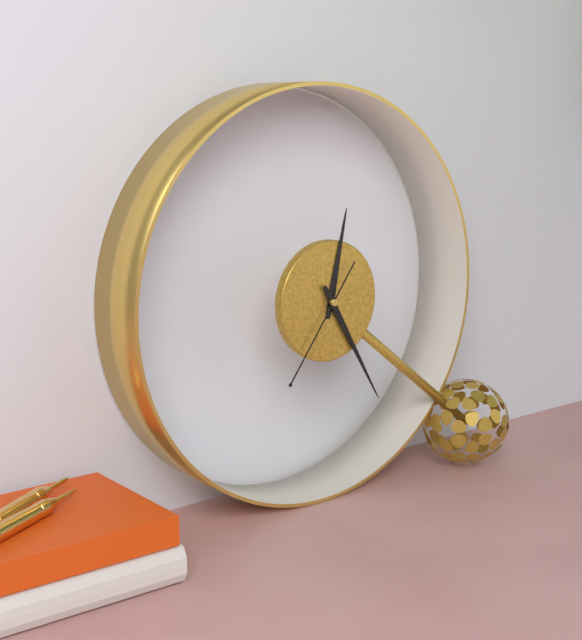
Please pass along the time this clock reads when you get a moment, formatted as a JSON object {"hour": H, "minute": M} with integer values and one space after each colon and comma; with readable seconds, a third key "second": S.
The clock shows {"hour": 12, "minute": 25, "second": 36}
